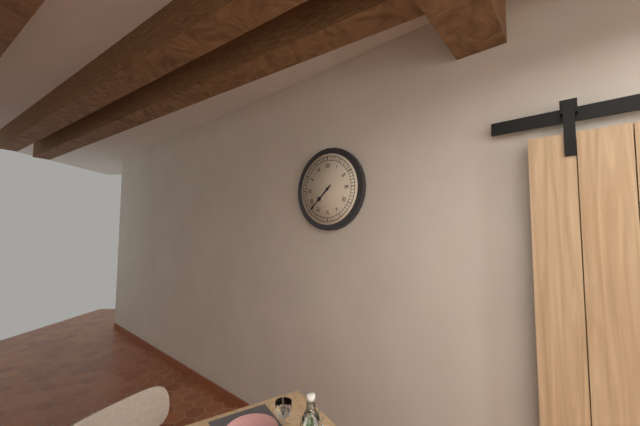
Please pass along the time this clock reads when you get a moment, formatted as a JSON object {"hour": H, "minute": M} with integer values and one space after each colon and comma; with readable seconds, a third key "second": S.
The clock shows {"hour": 7, "minute": 38}
